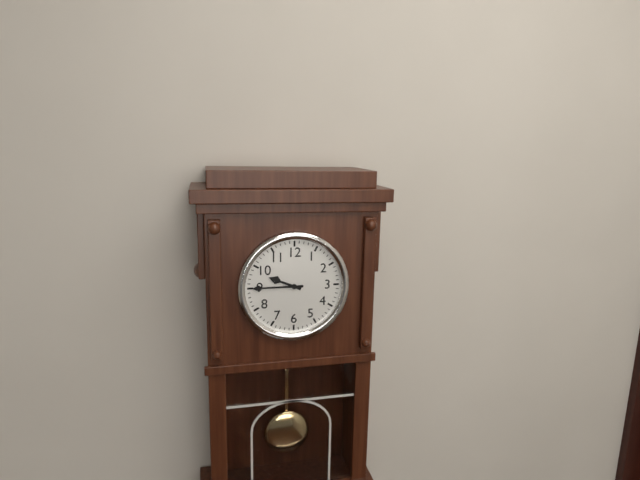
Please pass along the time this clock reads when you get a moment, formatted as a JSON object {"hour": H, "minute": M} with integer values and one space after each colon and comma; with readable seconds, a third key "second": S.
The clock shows {"hour": 9, "minute": 45}
